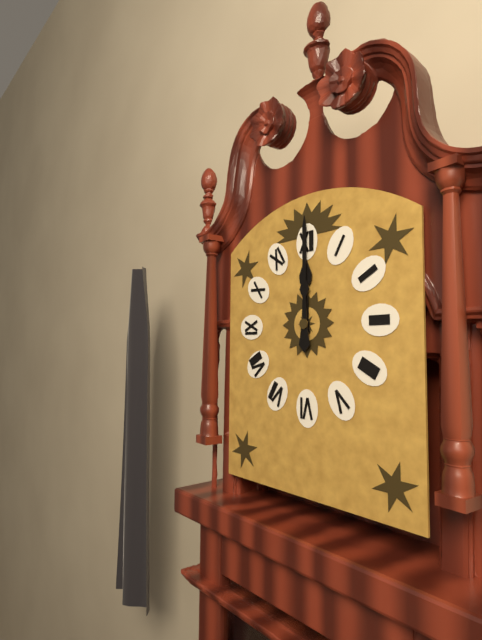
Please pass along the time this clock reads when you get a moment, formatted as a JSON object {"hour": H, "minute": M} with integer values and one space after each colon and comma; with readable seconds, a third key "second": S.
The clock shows {"hour": 12, "minute": 0}
